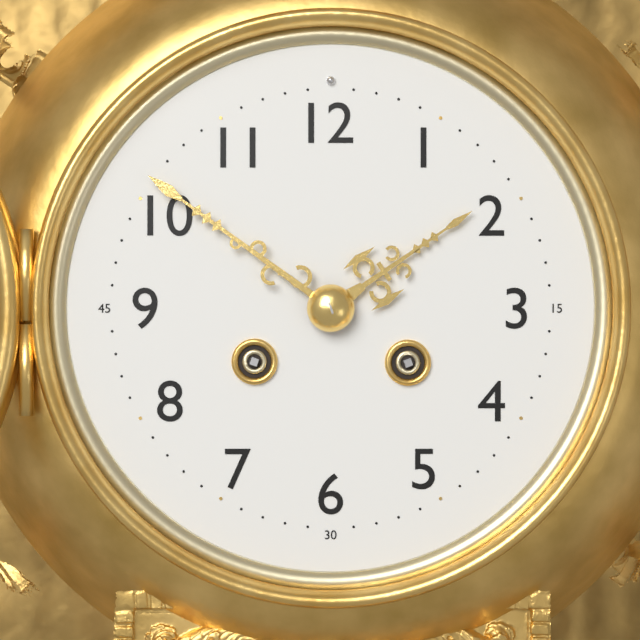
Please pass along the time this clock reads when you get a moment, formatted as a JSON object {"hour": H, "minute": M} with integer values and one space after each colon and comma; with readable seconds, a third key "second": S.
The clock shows {"hour": 1, "minute": 51}
